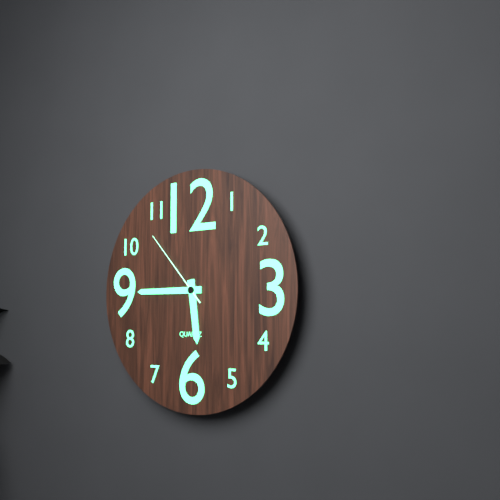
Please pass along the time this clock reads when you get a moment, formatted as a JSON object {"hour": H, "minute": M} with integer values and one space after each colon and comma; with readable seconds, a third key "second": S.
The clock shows {"hour": 5, "minute": 45, "second": 53}
